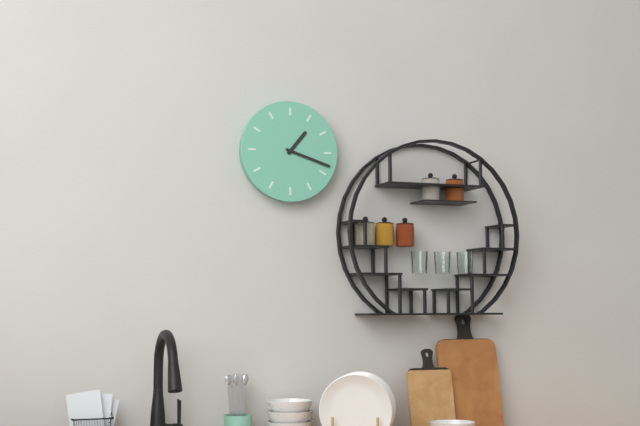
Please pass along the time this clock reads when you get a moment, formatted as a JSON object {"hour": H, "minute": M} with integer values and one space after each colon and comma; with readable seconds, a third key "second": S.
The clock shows {"hour": 1, "minute": 18}
